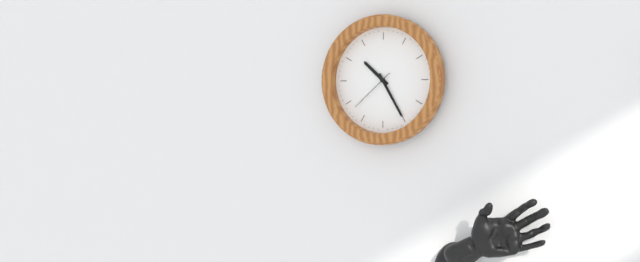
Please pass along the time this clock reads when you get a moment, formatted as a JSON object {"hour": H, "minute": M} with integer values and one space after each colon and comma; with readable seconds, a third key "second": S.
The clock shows {"hour": 10, "minute": 25}
